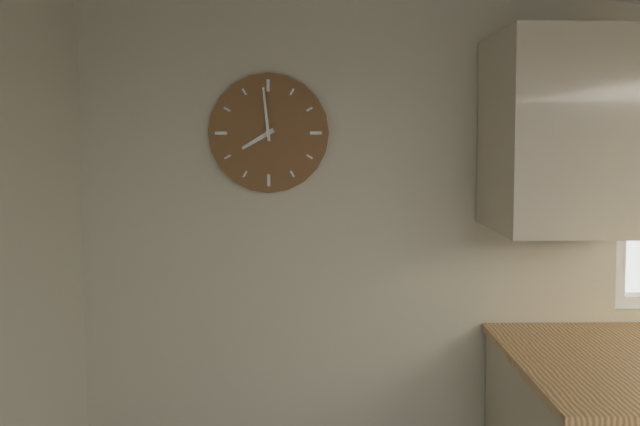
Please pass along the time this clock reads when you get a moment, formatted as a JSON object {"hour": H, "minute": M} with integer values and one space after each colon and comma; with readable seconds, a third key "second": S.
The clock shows {"hour": 7, "minute": 59}
